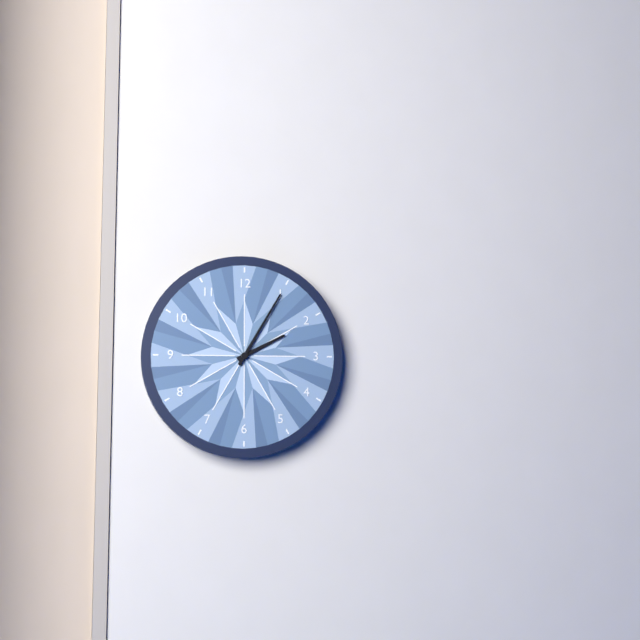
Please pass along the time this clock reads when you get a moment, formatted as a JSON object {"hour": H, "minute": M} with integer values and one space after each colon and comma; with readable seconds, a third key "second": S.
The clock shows {"hour": 2, "minute": 5}
